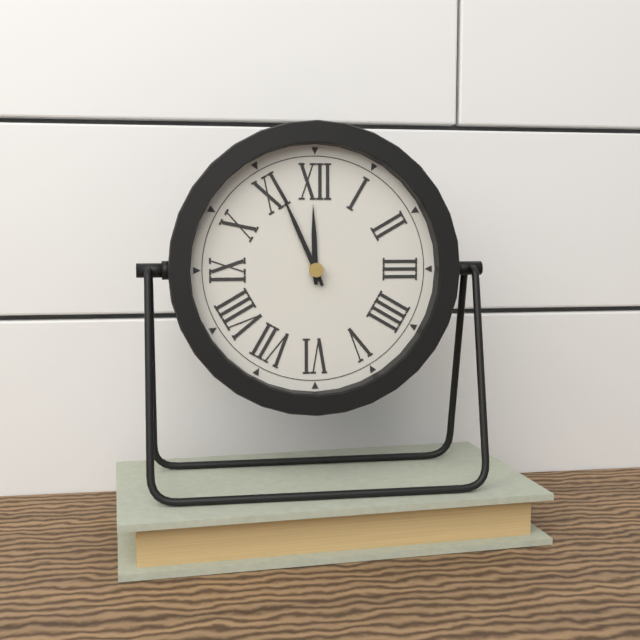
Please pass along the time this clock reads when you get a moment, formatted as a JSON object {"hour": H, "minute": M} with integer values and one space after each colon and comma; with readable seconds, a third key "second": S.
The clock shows {"hour": 11, "minute": 56}
